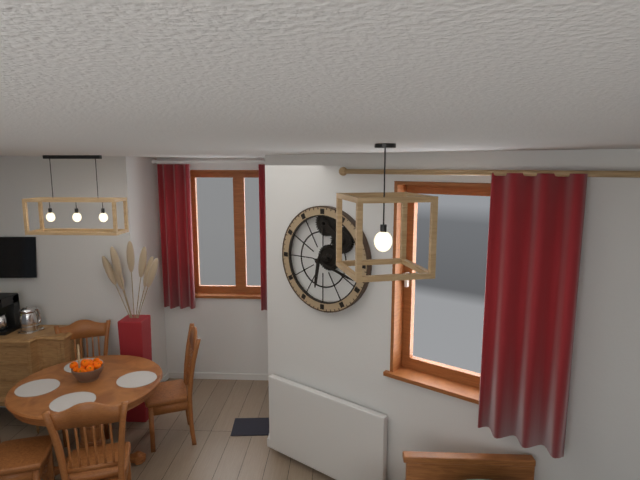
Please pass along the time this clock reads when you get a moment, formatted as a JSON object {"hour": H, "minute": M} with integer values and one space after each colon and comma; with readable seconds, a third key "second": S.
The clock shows {"hour": 6, "minute": 18}
